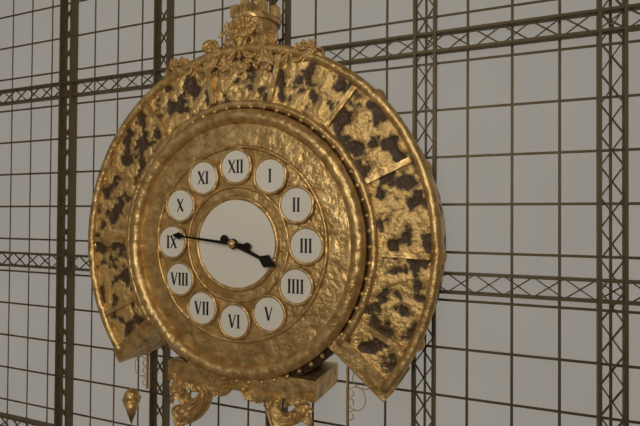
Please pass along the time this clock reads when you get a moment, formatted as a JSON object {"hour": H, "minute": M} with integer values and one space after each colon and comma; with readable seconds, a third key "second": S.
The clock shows {"hour": 3, "minute": 46}
